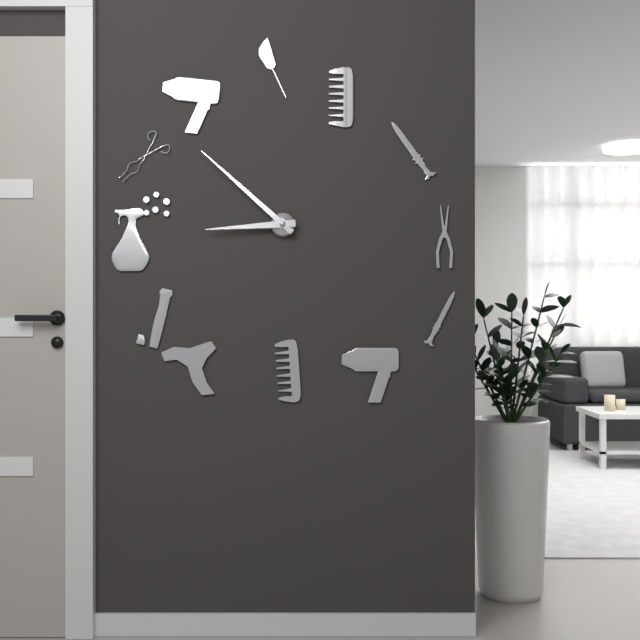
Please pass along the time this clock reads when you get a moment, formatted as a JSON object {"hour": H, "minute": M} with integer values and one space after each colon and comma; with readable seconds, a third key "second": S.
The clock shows {"hour": 8, "minute": 52}
